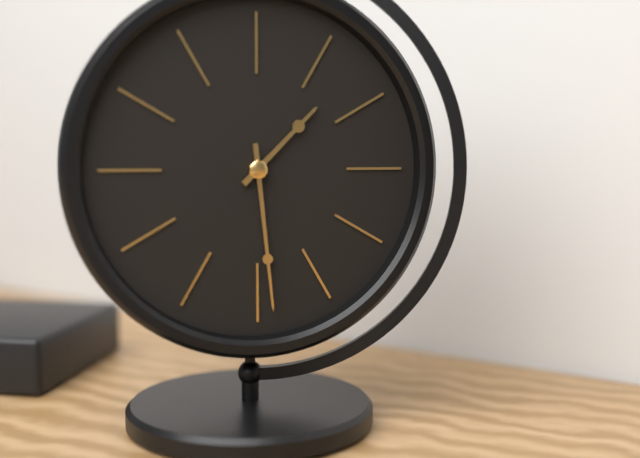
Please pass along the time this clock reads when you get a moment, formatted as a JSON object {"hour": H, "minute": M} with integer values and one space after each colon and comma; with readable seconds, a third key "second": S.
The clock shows {"hour": 1, "minute": 29}
